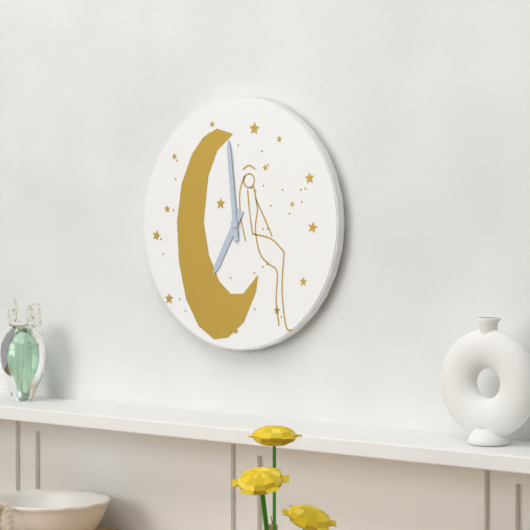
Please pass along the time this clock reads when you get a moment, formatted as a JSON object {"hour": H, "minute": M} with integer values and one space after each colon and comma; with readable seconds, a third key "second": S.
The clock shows {"hour": 6, "minute": 59}
